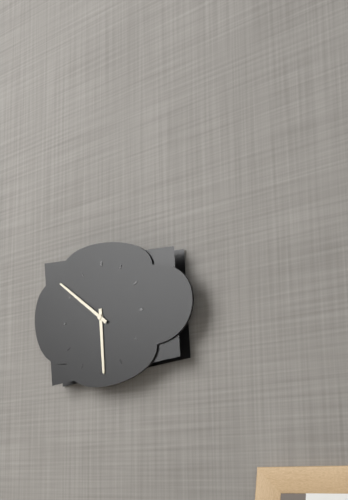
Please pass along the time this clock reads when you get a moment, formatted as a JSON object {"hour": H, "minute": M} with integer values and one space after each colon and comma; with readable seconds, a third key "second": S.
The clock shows {"hour": 5, "minute": 51}
